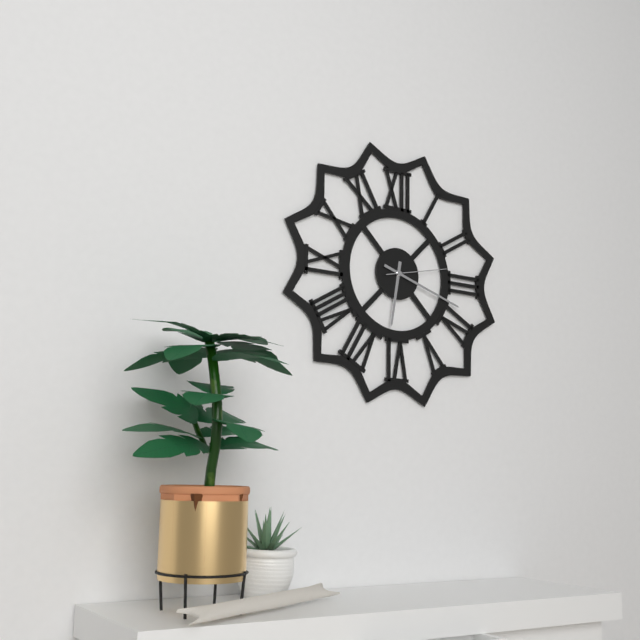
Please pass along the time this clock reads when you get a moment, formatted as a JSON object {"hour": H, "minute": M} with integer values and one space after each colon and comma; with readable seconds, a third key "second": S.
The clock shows {"hour": 6, "minute": 18, "second": 13}
